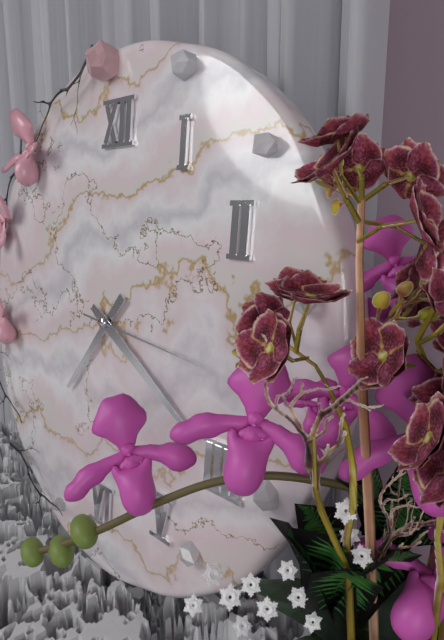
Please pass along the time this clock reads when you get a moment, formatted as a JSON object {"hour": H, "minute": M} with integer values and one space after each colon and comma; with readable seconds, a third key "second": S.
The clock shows {"hour": 7, "minute": 20, "second": 16}
